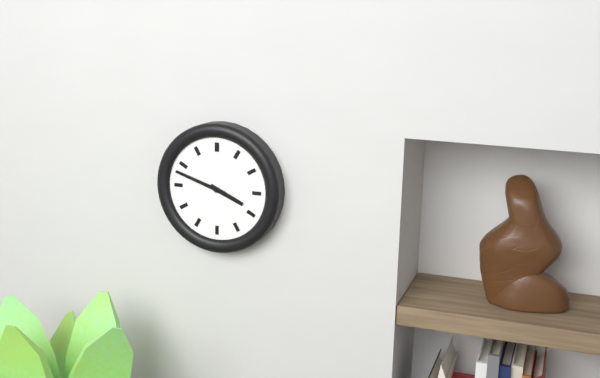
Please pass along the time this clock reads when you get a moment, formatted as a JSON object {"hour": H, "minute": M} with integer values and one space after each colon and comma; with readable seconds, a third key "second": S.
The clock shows {"hour": 3, "minute": 48}
